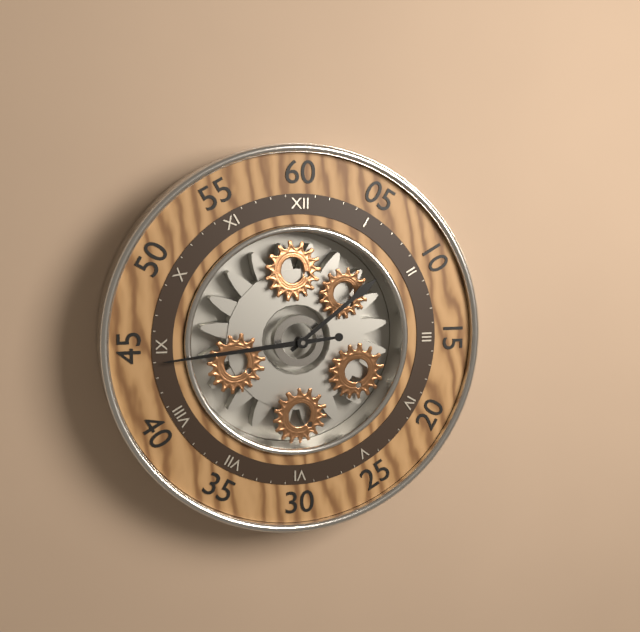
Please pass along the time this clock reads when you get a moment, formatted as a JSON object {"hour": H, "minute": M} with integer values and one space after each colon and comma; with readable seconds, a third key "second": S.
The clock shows {"hour": 1, "minute": 44}
